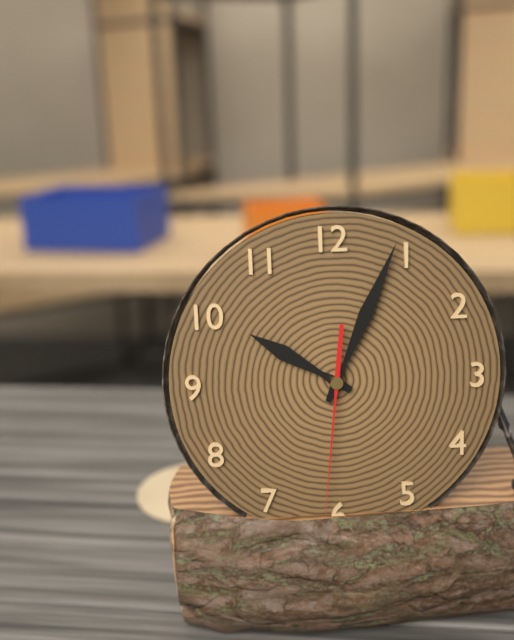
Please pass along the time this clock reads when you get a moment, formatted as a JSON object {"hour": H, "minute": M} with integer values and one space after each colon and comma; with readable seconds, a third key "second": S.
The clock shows {"hour": 10, "minute": 4, "second": 31}
